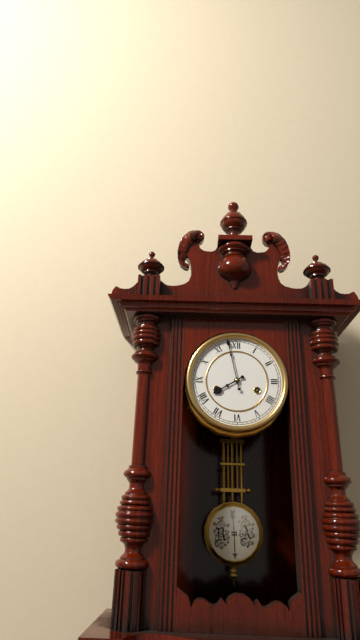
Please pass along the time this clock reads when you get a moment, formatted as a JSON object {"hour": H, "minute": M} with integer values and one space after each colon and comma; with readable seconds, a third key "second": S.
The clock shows {"hour": 7, "minute": 58}
